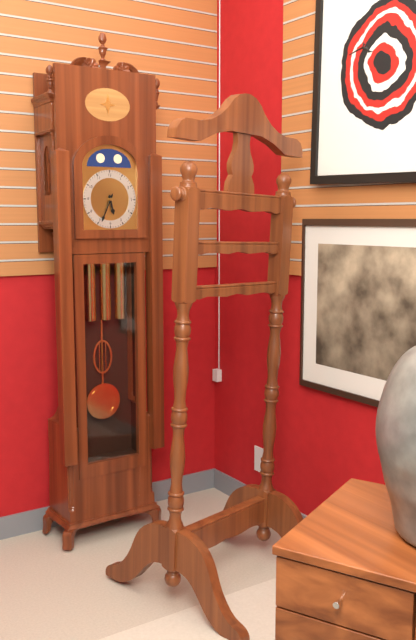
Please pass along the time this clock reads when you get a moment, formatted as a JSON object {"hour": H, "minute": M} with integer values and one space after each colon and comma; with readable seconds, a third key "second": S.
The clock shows {"hour": 5, "minute": 34}
